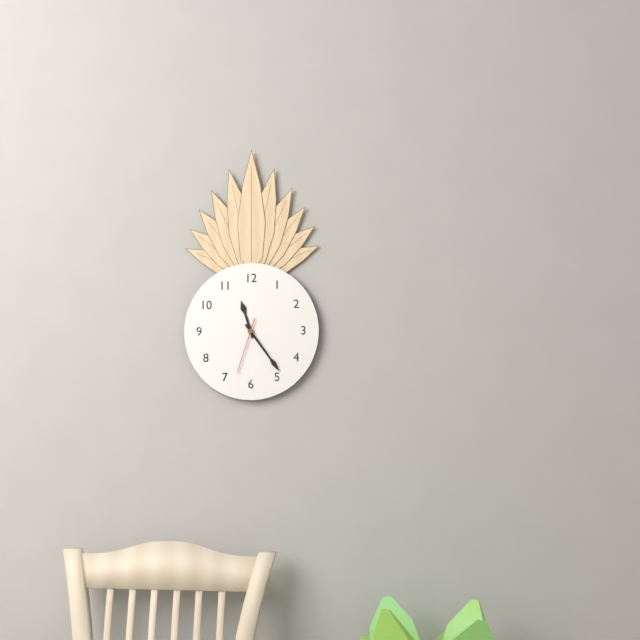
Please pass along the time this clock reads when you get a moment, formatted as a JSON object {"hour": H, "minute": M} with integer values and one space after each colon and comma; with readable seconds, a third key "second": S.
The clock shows {"hour": 11, "minute": 24, "second": 33}
